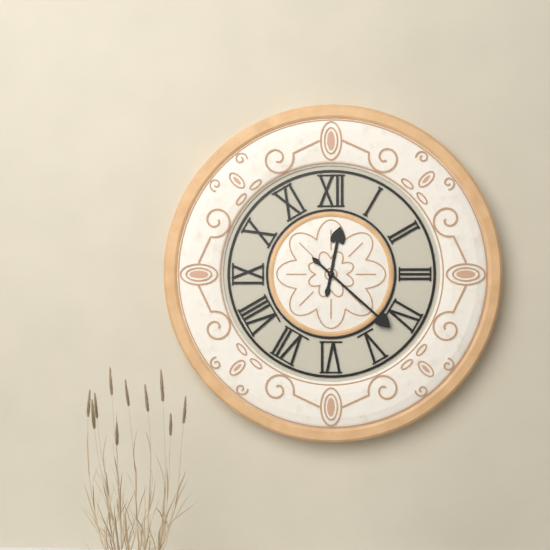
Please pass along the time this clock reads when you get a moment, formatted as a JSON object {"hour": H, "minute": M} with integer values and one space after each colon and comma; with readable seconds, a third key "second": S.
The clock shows {"hour": 12, "minute": 22}
